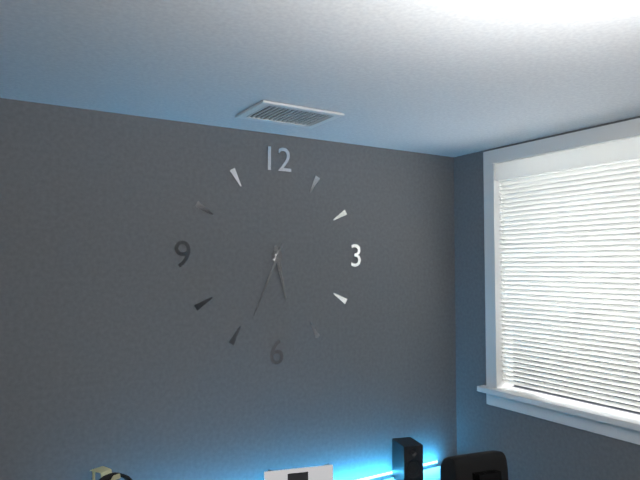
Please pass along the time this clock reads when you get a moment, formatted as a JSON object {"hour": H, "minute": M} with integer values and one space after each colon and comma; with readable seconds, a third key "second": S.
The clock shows {"hour": 5, "minute": 34}
